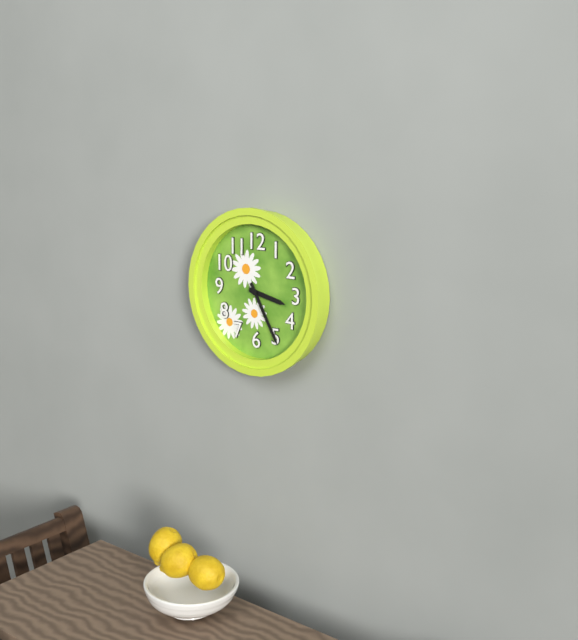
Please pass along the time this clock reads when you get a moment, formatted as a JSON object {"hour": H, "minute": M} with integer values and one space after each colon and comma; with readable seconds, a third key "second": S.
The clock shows {"hour": 3, "minute": 25}
